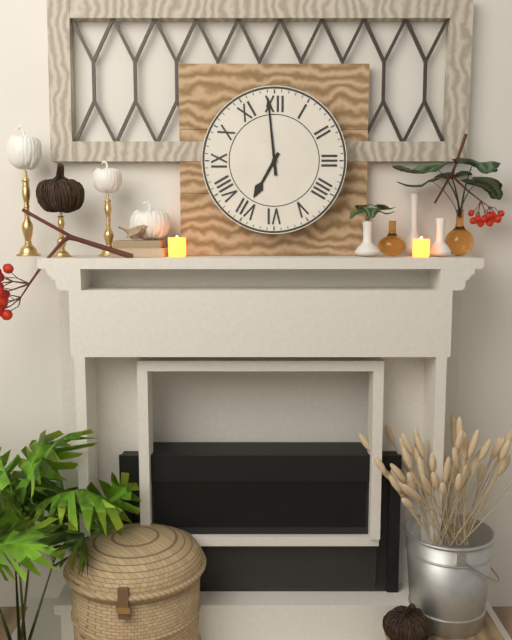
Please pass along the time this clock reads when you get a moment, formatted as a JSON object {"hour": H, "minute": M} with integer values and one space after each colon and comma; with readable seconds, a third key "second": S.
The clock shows {"hour": 6, "minute": 59}
